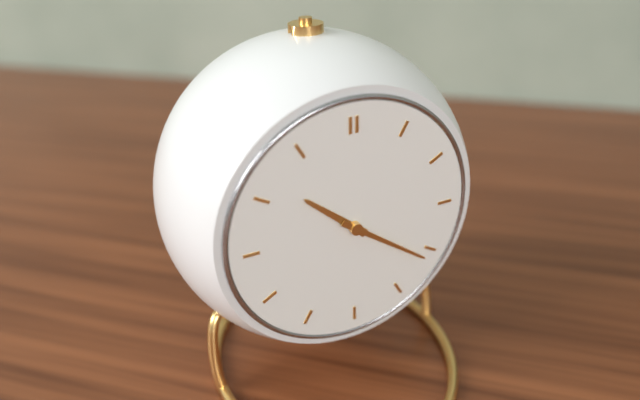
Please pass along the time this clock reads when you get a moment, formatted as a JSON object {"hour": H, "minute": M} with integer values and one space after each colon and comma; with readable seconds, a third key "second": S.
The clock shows {"hour": 10, "minute": 21}
